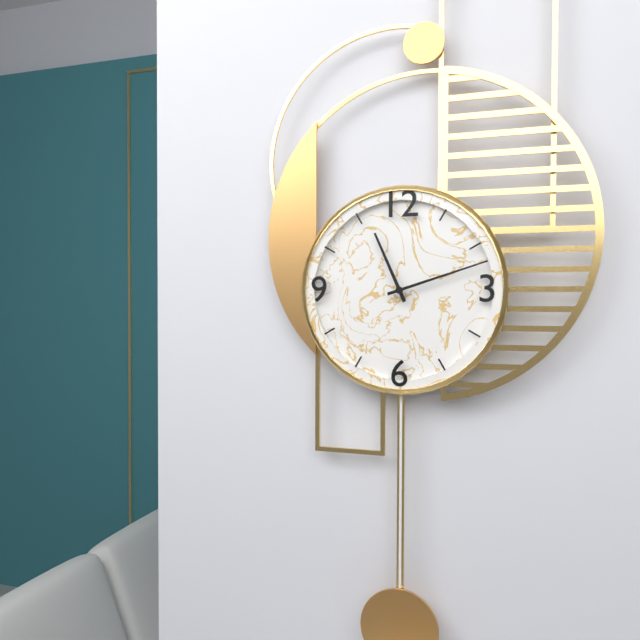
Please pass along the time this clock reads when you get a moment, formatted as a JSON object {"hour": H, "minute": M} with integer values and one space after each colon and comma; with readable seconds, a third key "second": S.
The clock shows {"hour": 11, "minute": 12}
